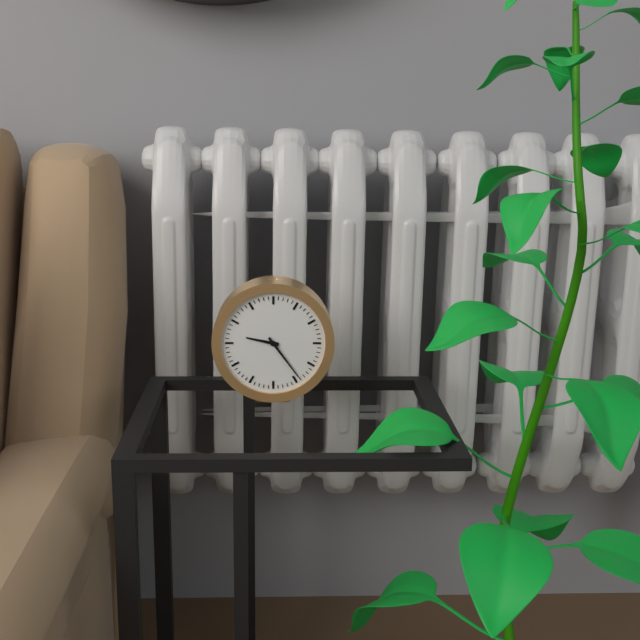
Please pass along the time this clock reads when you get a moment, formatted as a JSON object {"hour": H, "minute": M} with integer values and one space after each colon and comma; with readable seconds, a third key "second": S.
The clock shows {"hour": 9, "minute": 24}
